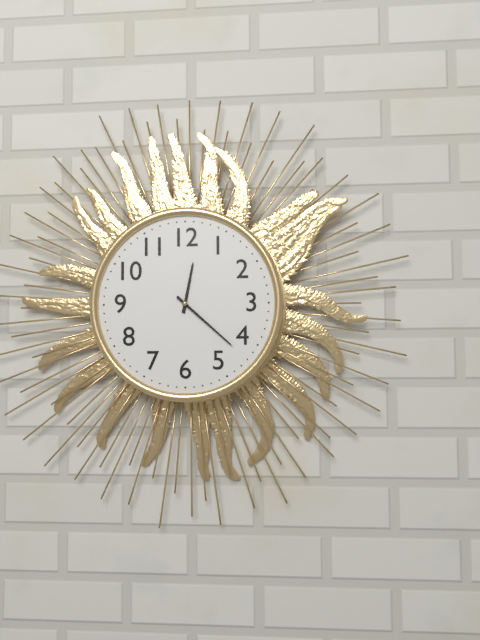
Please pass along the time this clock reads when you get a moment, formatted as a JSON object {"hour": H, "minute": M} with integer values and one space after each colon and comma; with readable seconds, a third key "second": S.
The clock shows {"hour": 12, "minute": 22}
